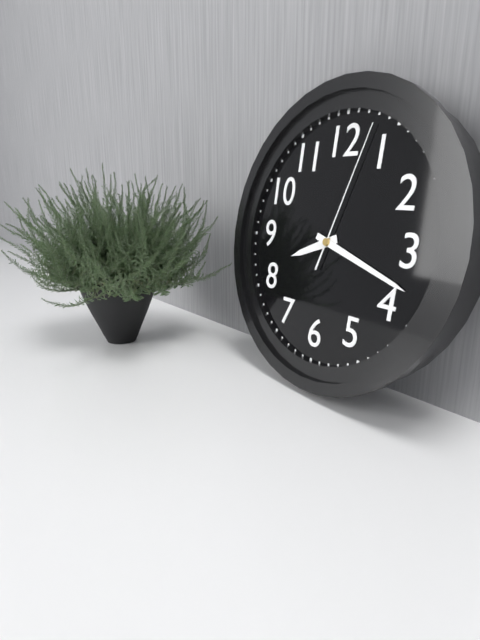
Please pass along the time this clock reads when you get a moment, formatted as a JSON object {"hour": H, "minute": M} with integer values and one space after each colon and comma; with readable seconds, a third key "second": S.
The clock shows {"hour": 8, "minute": 18, "second": 3}
